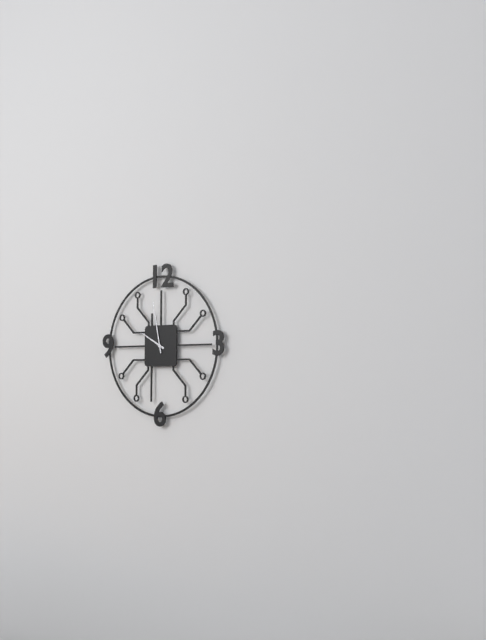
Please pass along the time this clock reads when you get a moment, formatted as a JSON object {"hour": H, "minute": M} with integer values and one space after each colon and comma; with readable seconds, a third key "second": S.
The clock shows {"hour": 9, "minute": 58}
